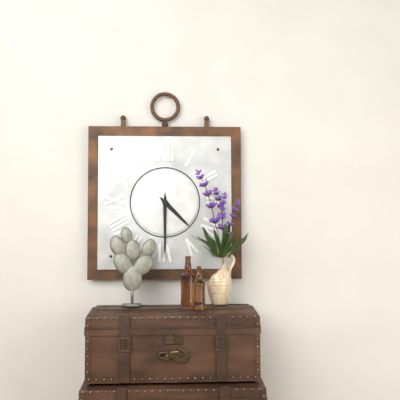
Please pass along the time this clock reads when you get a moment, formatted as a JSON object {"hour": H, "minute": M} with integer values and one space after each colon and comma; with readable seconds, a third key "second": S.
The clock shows {"hour": 4, "minute": 30}
